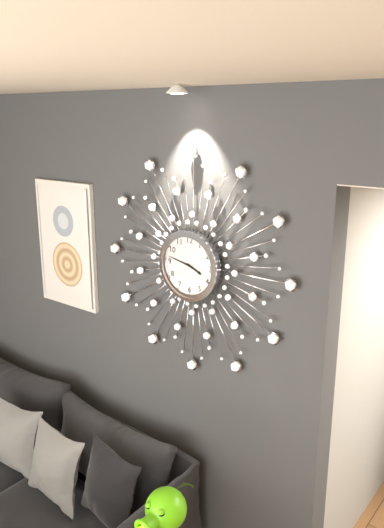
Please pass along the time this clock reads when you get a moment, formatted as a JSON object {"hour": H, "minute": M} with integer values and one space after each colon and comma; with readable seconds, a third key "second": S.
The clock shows {"hour": 3, "minute": 47}
